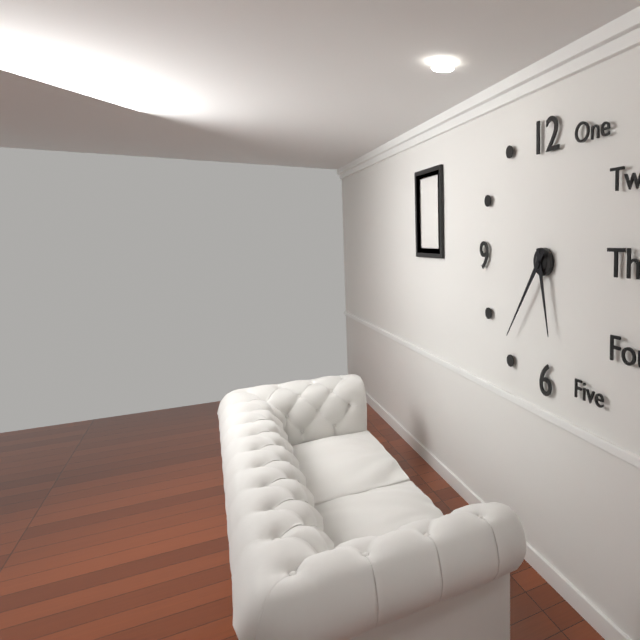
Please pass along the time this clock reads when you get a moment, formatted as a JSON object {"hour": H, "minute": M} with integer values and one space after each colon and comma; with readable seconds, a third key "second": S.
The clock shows {"hour": 5, "minute": 36}
